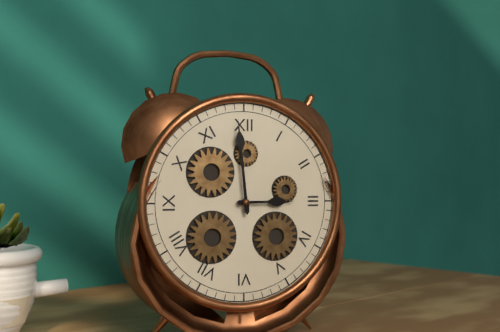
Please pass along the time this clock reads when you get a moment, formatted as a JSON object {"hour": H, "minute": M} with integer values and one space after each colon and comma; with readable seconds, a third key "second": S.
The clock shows {"hour": 2, "minute": 59}
